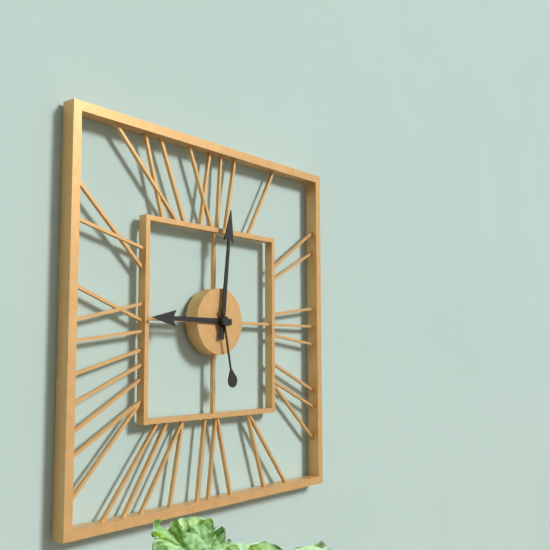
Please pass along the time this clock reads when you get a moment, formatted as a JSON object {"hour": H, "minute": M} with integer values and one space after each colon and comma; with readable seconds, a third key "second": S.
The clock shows {"hour": 9, "minute": 1, "second": 28}
